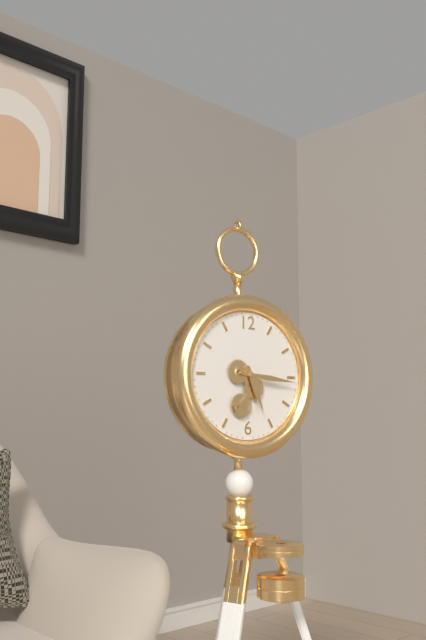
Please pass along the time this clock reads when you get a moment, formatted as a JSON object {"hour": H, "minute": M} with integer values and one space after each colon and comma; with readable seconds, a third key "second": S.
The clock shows {"hour": 5, "minute": 16}
